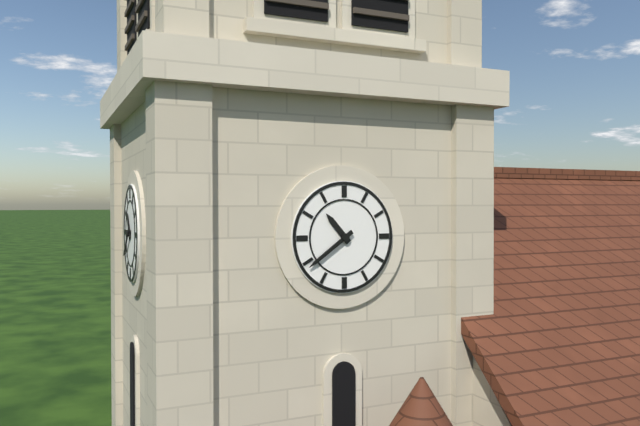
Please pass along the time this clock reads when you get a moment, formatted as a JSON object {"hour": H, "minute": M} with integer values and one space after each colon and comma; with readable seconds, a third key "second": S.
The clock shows {"hour": 10, "minute": 39}
